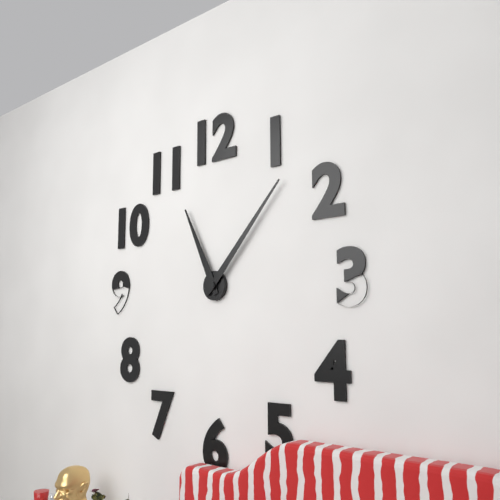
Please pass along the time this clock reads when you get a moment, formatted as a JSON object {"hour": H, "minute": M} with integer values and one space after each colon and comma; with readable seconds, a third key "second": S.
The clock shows {"hour": 11, "minute": 7}
